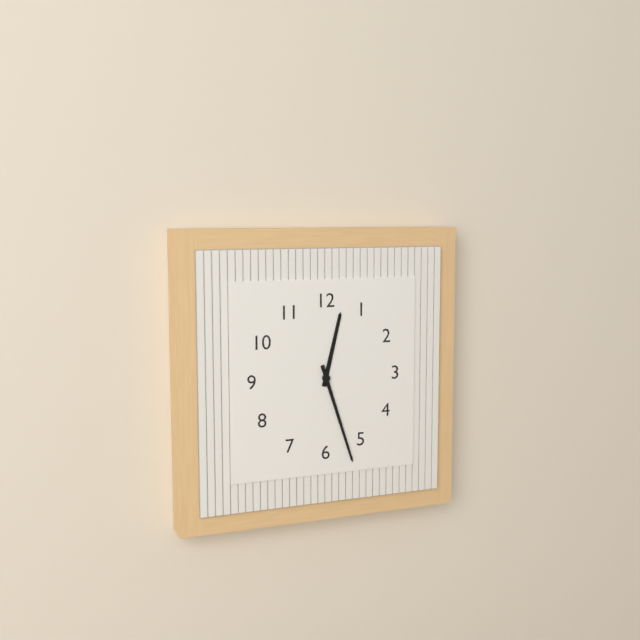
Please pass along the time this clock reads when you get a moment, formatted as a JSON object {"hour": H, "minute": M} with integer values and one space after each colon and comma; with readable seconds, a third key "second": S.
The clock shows {"hour": 12, "minute": 27}
